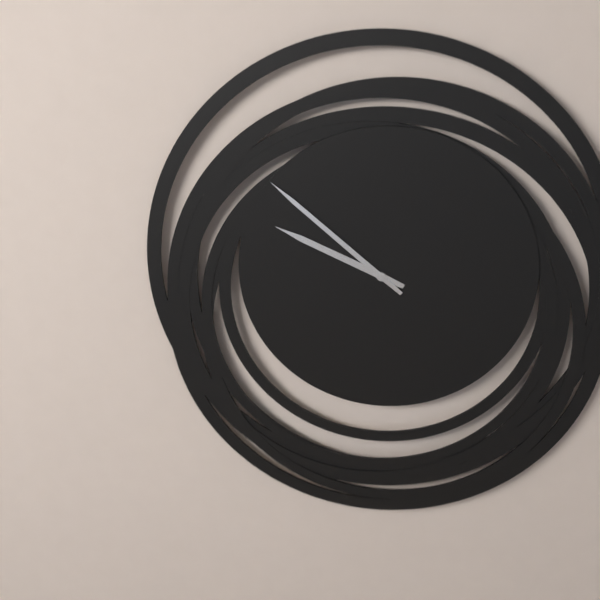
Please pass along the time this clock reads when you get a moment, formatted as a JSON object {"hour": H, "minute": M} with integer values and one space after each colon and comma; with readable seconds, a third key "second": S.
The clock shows {"hour": 9, "minute": 52}
